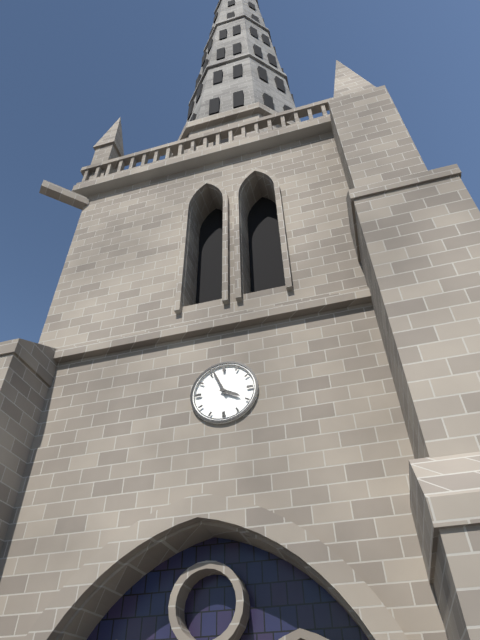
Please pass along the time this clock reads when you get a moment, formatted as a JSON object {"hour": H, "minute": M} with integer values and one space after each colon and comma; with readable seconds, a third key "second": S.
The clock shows {"hour": 3, "minute": 56}
